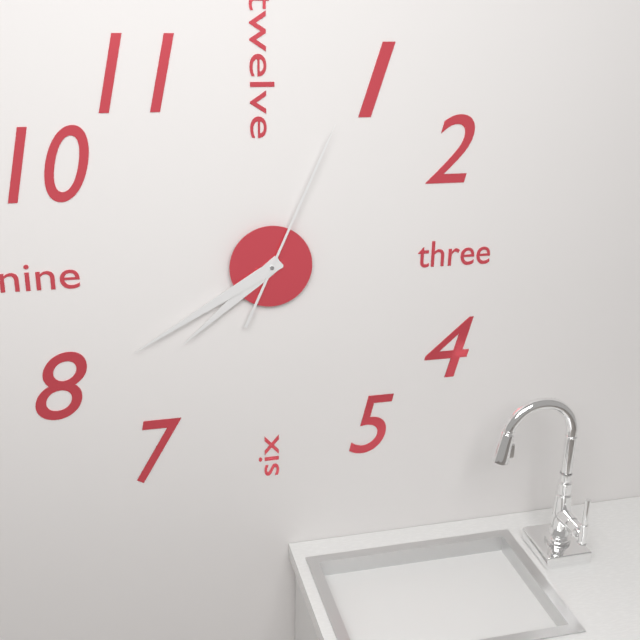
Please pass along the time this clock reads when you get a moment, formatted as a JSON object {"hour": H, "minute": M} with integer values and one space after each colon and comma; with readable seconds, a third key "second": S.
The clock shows {"hour": 7, "minute": 40, "second": 4}
